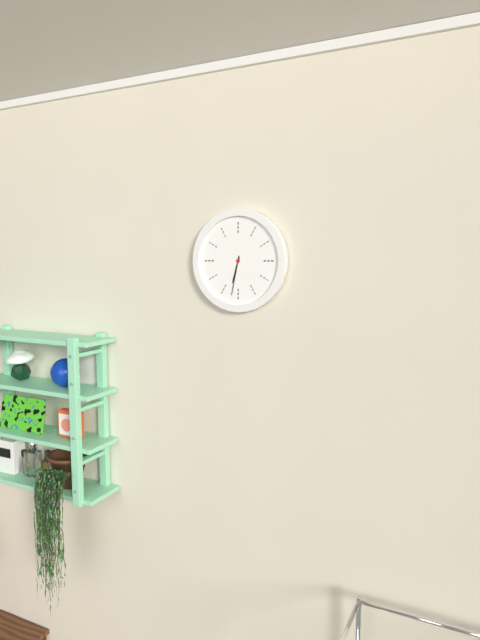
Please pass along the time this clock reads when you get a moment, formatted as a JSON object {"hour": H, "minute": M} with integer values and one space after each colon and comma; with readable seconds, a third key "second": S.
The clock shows {"hour": 6, "minute": 32}
